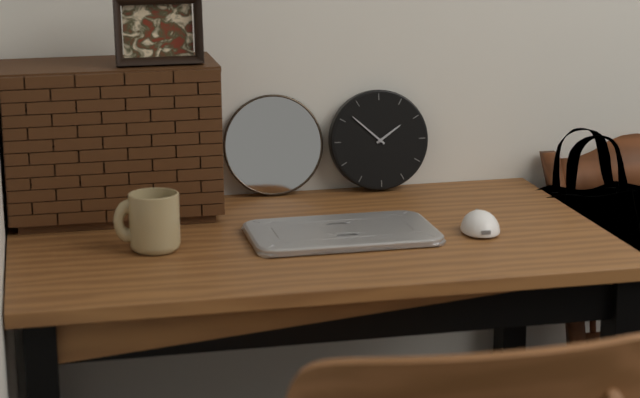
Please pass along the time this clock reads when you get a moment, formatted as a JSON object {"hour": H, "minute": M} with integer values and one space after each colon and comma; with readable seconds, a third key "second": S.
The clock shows {"hour": 1, "minute": 52}
